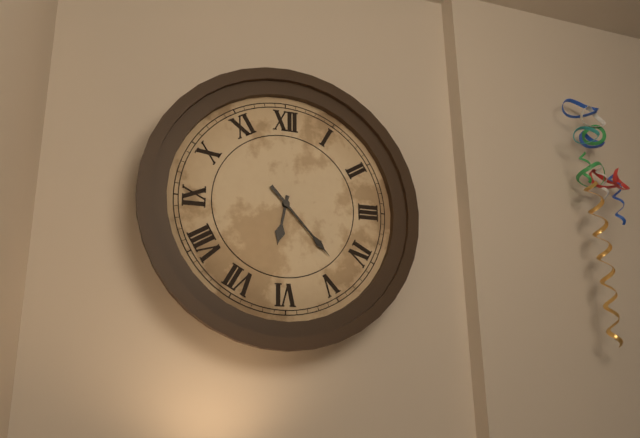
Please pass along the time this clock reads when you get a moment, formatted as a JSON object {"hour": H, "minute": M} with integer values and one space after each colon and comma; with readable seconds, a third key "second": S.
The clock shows {"hour": 6, "minute": 23}
